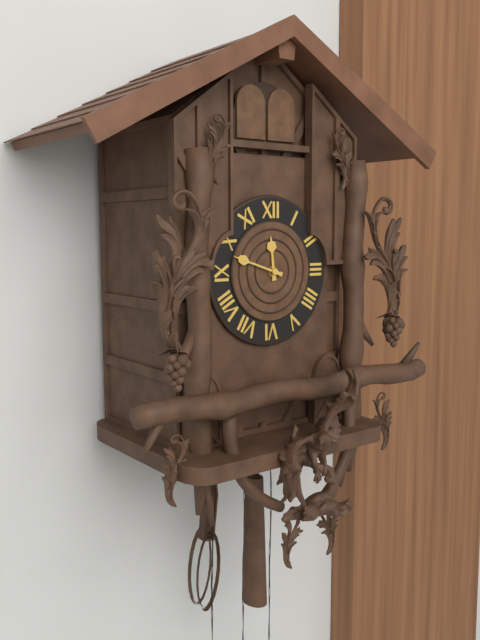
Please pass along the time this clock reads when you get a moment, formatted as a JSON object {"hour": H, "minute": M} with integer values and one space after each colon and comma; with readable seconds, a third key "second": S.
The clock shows {"hour": 11, "minute": 48}
